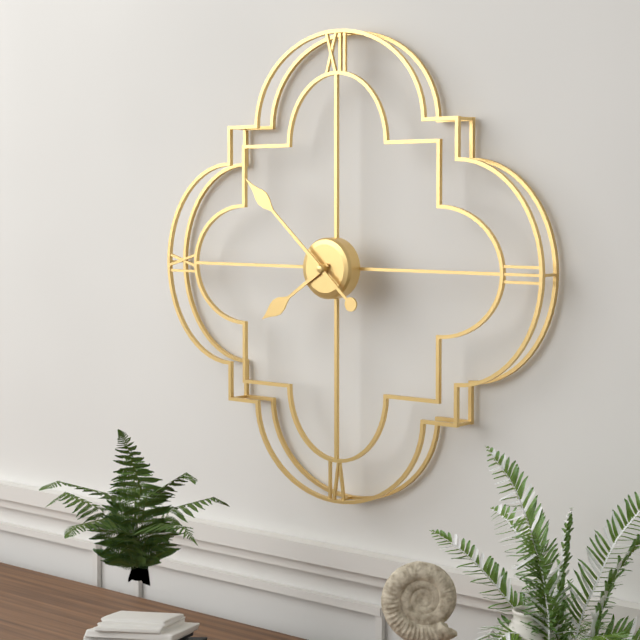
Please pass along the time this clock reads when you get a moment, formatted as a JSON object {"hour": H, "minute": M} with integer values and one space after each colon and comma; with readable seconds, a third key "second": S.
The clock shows {"hour": 7, "minute": 52}
